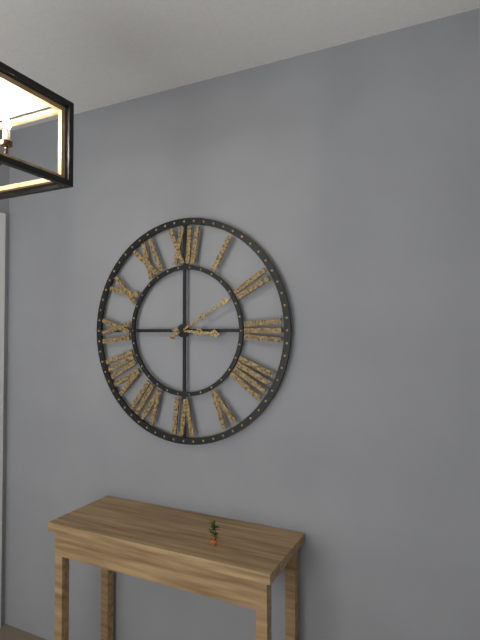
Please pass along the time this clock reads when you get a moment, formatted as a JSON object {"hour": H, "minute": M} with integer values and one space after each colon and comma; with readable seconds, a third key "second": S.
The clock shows {"hour": 3, "minute": 10}
